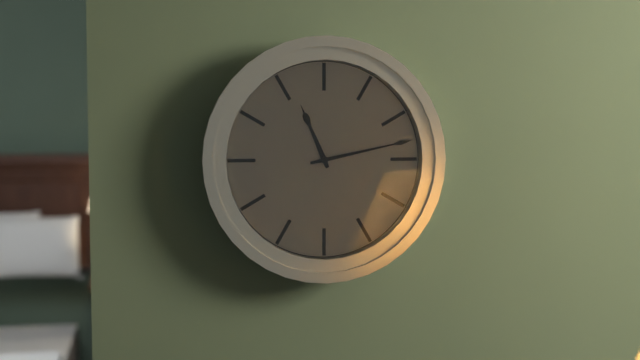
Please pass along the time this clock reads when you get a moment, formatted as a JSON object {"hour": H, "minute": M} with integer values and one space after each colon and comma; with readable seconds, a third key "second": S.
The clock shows {"hour": 11, "minute": 13}
